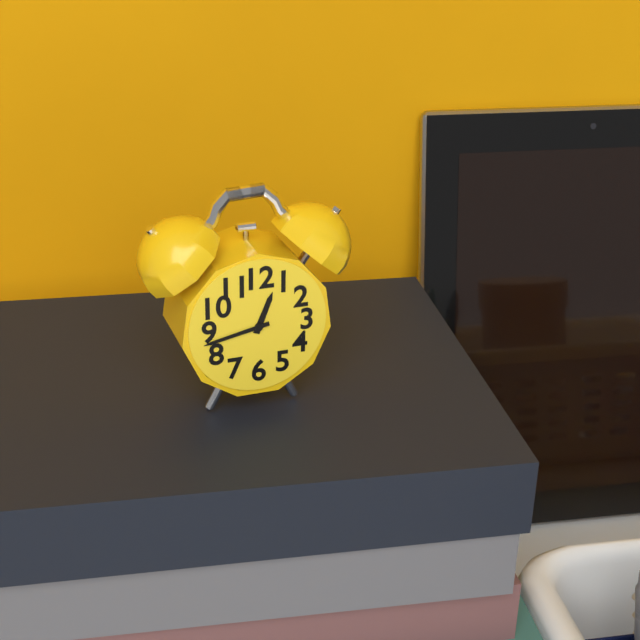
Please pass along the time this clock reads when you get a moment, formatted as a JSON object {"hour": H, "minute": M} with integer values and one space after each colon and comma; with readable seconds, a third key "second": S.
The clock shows {"hour": 12, "minute": 43}
